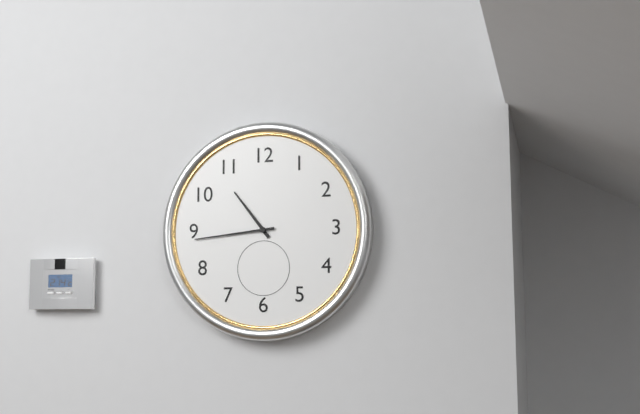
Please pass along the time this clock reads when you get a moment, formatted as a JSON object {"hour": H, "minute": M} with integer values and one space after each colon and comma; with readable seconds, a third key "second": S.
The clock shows {"hour": 10, "minute": 44}
